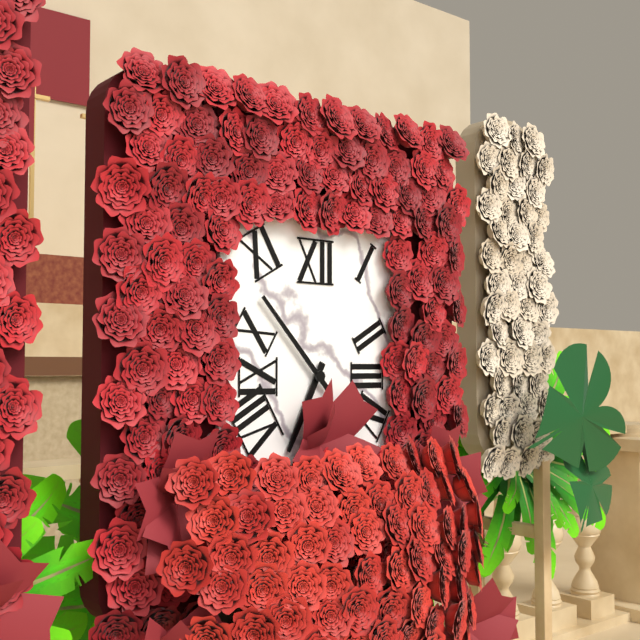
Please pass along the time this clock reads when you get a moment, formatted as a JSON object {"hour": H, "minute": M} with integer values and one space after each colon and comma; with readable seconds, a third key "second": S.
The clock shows {"hour": 6, "minute": 53}
